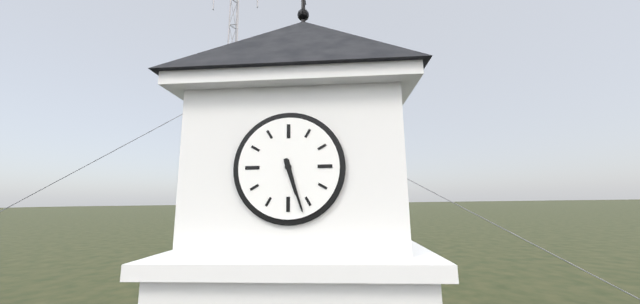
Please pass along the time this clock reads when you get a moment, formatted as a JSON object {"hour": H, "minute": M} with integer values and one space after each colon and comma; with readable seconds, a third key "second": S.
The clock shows {"hour": 5, "minute": 27}
